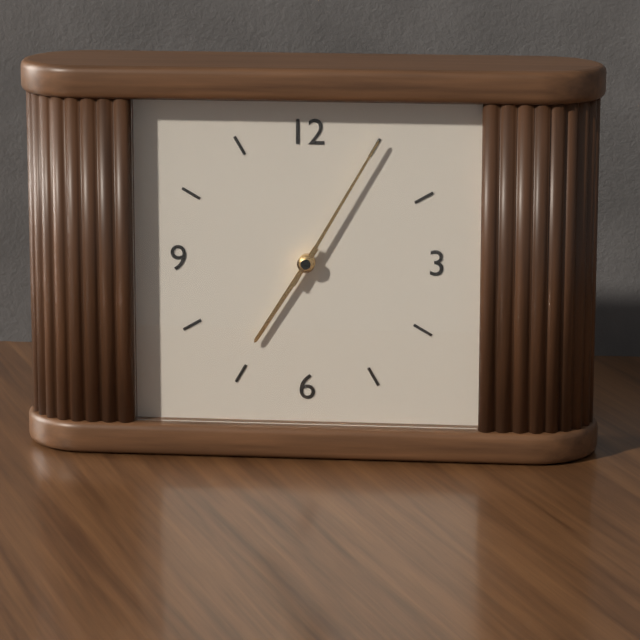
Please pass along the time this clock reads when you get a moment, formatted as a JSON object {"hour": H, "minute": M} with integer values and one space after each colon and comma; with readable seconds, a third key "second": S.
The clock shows {"hour": 7, "minute": 5}
